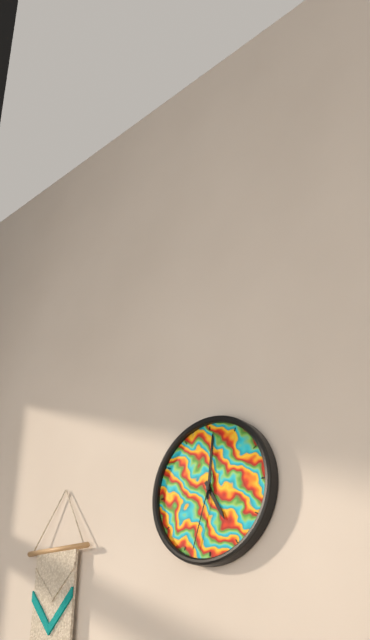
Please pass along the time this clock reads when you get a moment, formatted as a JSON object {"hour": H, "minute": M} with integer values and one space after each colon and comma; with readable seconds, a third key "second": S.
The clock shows {"hour": 5, "minute": 1, "second": 33}
